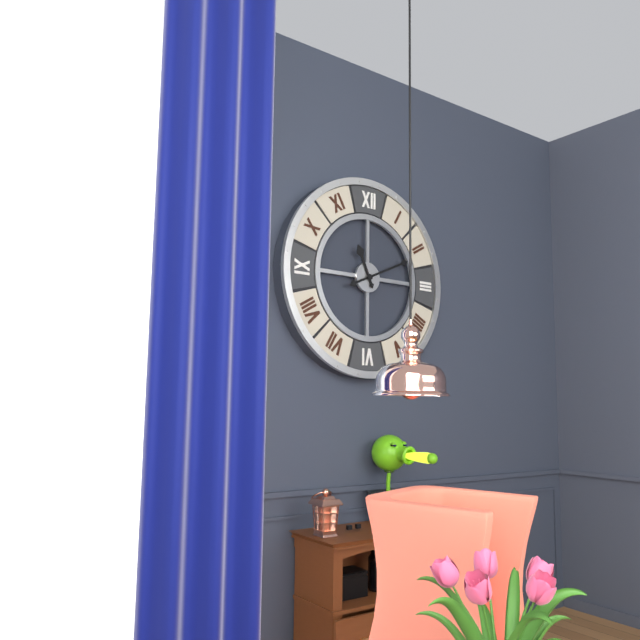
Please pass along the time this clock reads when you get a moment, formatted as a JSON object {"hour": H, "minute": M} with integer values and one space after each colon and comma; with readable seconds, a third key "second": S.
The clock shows {"hour": 11, "minute": 11}
